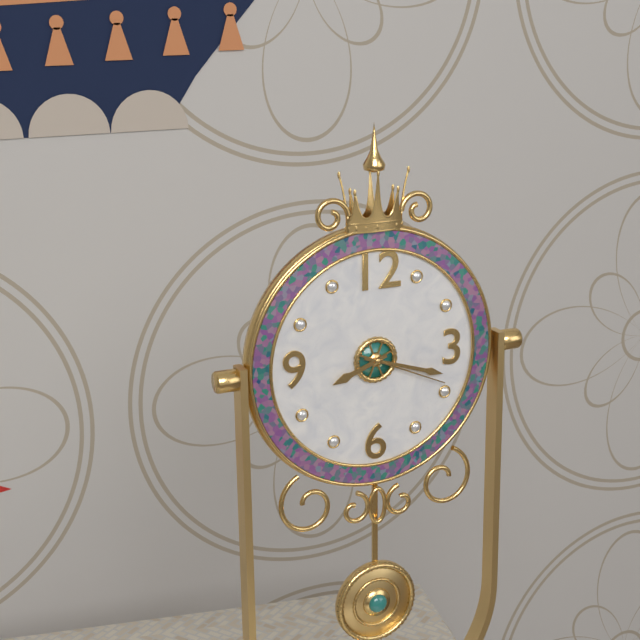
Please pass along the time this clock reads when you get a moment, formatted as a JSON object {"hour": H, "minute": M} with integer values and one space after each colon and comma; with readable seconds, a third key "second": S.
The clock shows {"hour": 8, "minute": 18, "second": 19}
